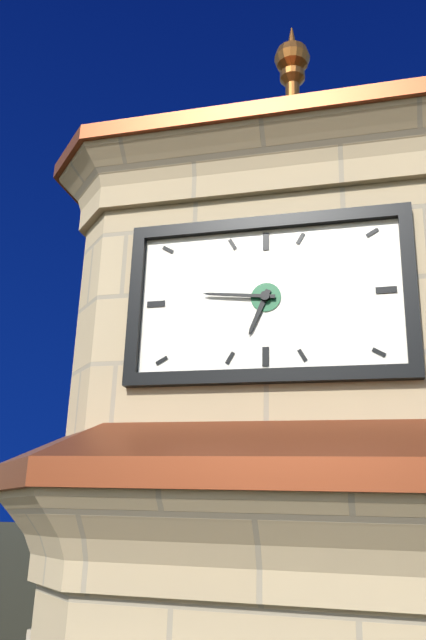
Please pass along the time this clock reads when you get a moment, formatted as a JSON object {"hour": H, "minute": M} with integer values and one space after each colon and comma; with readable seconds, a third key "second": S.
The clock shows {"hour": 6, "minute": 46}
